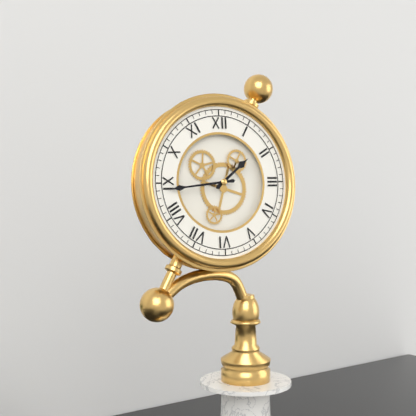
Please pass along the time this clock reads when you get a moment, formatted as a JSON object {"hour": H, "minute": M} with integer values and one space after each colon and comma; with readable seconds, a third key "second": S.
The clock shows {"hour": 1, "minute": 44}
